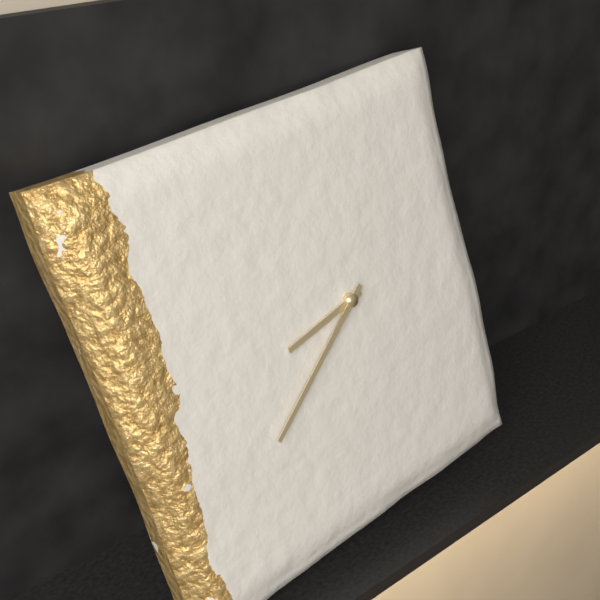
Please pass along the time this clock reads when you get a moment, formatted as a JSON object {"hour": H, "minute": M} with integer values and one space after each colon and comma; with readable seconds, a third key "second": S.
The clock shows {"hour": 8, "minute": 39}
